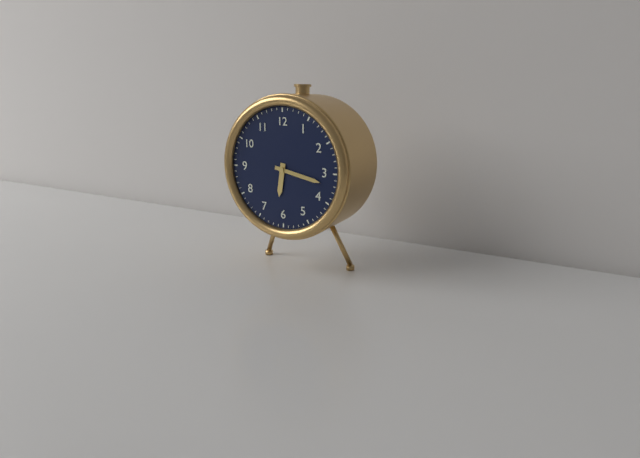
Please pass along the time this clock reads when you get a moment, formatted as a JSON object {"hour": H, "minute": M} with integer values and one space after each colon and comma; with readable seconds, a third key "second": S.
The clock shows {"hour": 6, "minute": 17}
